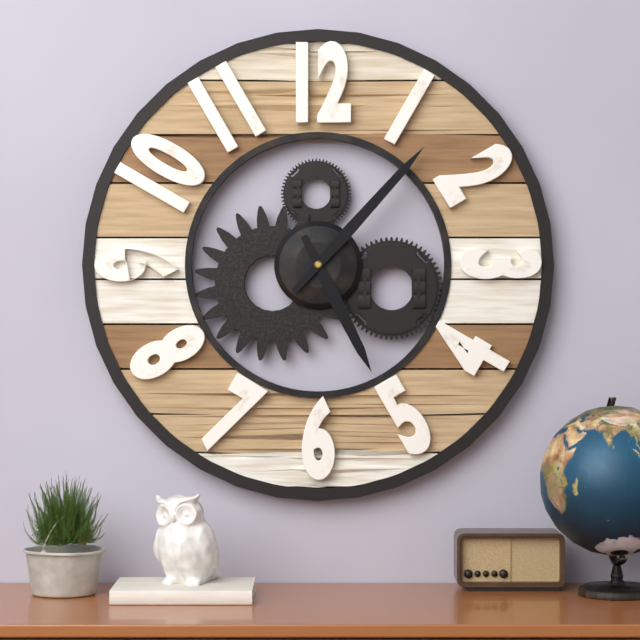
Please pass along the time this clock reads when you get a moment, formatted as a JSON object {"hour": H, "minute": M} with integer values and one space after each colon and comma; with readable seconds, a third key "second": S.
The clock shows {"hour": 5, "minute": 7}
